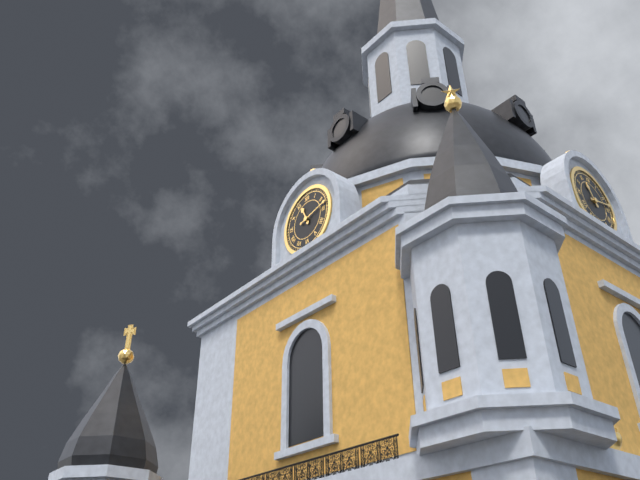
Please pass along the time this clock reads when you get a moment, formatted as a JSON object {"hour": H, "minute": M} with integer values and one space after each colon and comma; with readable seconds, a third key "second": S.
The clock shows {"hour": 11, "minute": 13}
